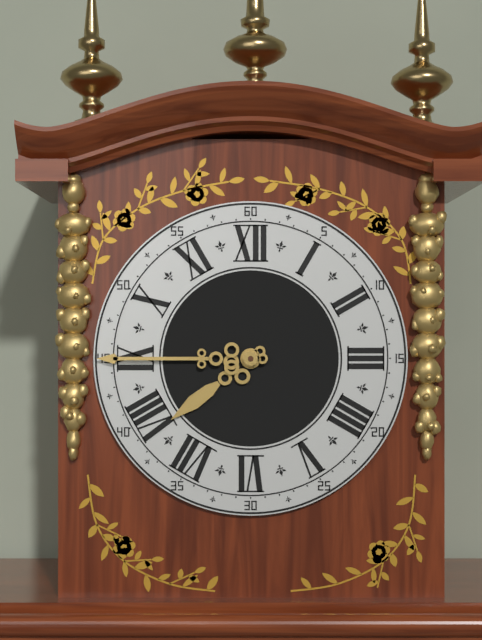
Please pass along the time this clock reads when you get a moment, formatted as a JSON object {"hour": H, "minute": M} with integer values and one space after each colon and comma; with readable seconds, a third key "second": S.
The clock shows {"hour": 7, "minute": 45}
